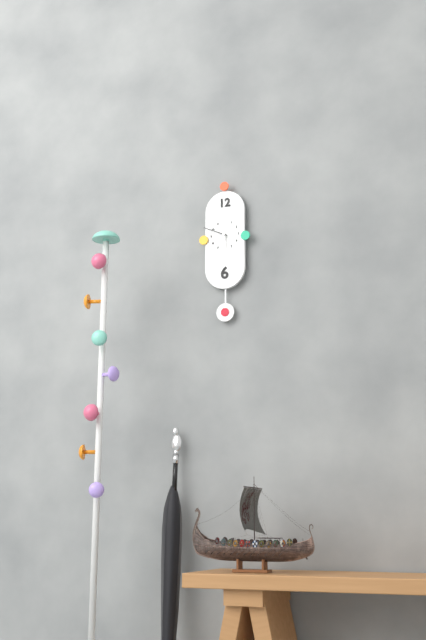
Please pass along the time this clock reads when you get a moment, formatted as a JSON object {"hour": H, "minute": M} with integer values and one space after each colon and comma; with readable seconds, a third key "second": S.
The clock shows {"hour": 5, "minute": 49}
